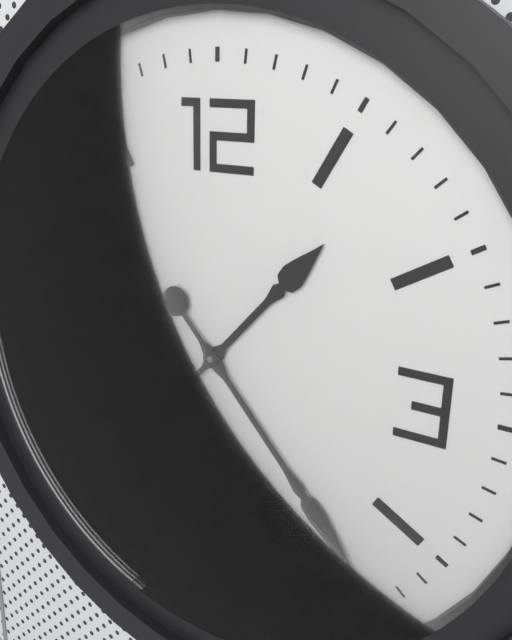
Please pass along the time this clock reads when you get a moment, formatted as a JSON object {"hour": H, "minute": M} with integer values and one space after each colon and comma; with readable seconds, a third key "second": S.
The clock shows {"hour": 1, "minute": 23}
